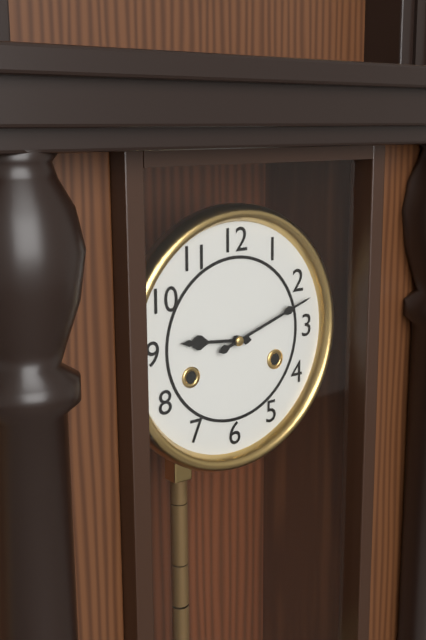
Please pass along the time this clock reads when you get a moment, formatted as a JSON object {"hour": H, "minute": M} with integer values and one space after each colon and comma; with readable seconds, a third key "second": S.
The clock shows {"hour": 9, "minute": 12}
